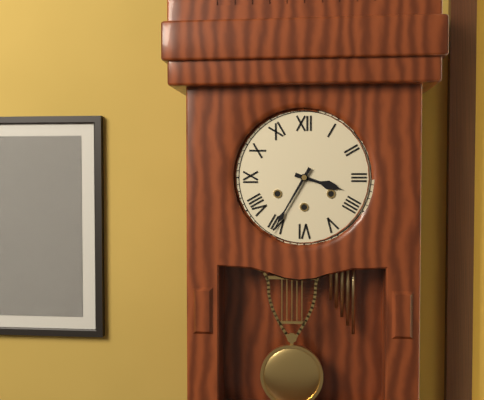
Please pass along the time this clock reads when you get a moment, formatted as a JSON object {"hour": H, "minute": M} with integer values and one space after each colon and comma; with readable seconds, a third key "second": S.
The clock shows {"hour": 3, "minute": 35}
